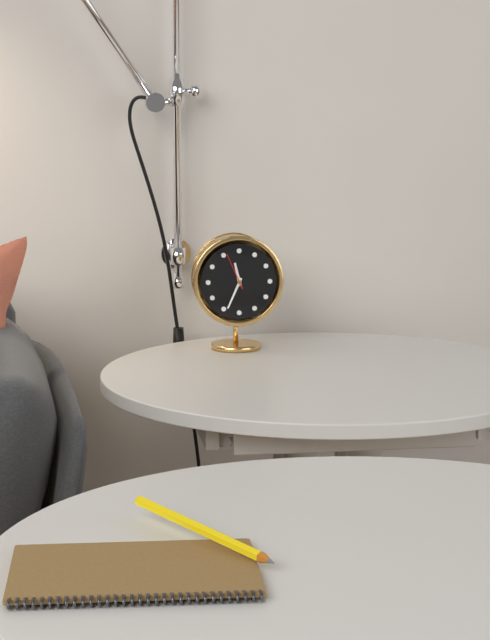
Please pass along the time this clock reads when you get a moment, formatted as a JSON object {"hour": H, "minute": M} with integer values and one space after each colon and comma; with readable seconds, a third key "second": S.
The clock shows {"hour": 11, "minute": 34}
